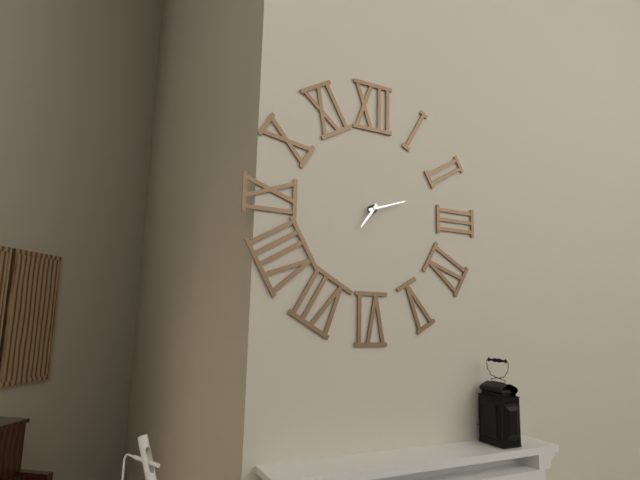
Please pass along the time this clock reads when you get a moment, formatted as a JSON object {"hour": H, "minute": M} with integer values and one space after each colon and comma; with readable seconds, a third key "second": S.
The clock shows {"hour": 7, "minute": 12}
